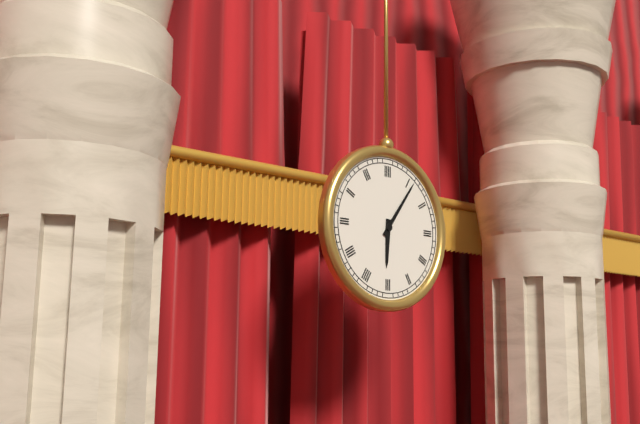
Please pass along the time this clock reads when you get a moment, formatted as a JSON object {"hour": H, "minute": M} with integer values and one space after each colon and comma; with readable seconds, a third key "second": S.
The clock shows {"hour": 6, "minute": 6}
